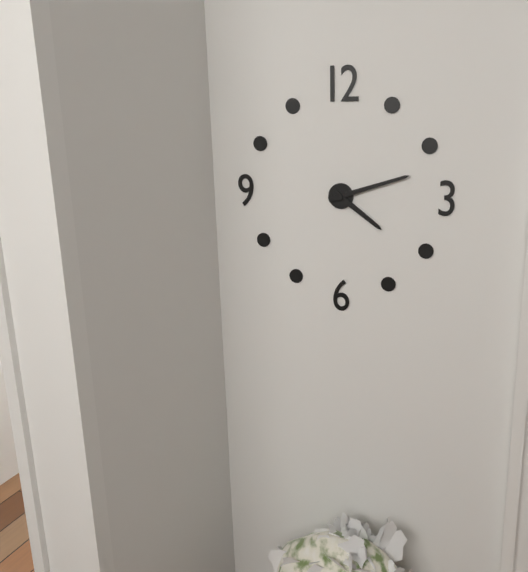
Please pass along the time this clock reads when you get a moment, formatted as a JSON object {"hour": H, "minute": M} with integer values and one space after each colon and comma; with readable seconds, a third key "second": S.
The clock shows {"hour": 4, "minute": 12}
